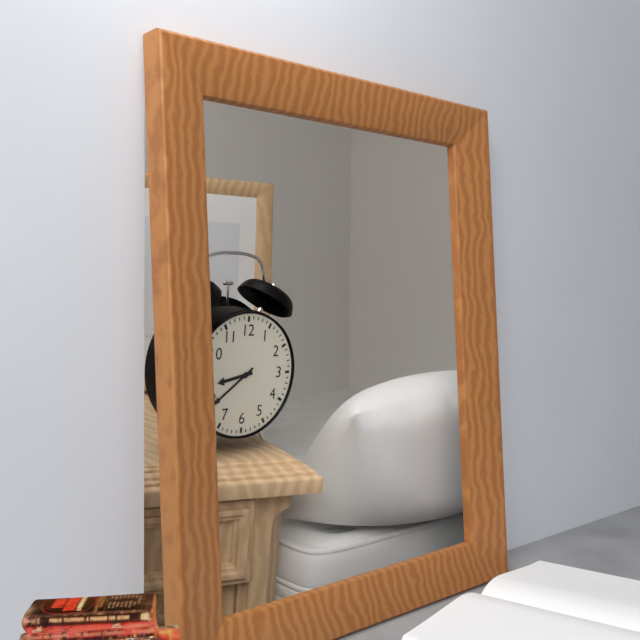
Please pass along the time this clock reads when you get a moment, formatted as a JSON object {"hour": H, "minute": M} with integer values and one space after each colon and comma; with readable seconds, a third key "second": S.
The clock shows {"hour": 8, "minute": 39}
